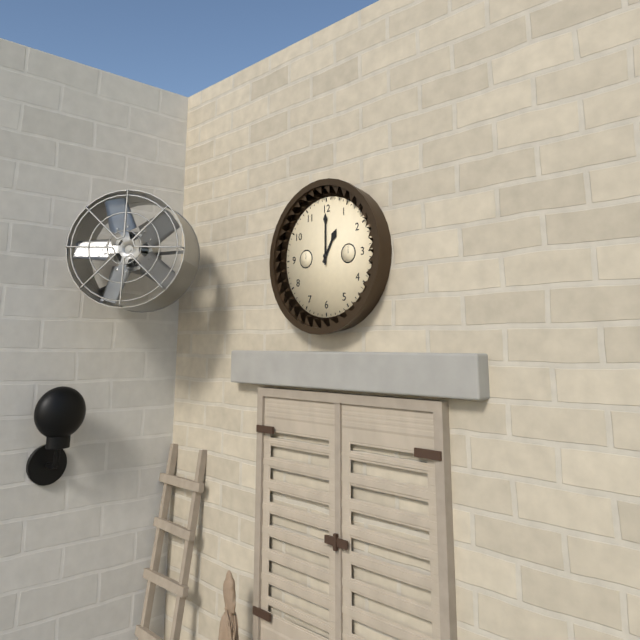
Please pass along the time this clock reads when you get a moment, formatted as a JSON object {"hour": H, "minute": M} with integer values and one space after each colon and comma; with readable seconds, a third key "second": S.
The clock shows {"hour": 1, "minute": 0}
